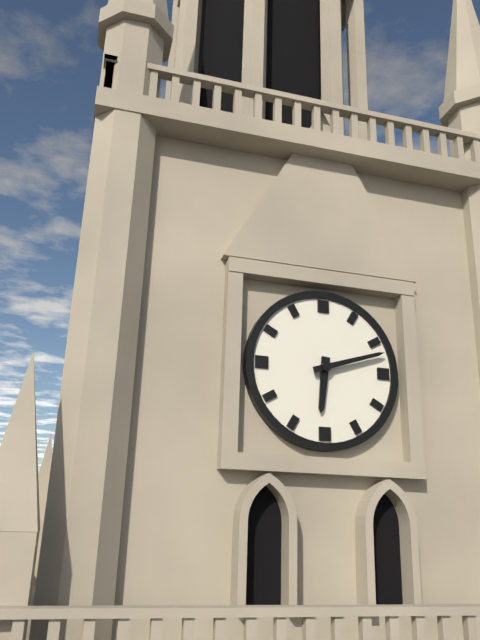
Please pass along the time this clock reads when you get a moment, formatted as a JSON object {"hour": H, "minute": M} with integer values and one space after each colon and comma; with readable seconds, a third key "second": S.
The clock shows {"hour": 6, "minute": 12}
